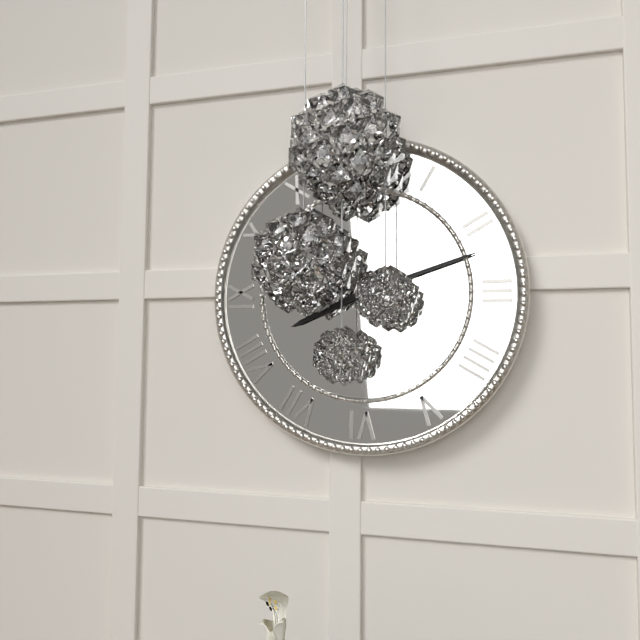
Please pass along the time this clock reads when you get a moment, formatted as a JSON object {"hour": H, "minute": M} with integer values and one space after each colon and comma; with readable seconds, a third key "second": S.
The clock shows {"hour": 8, "minute": 12}
